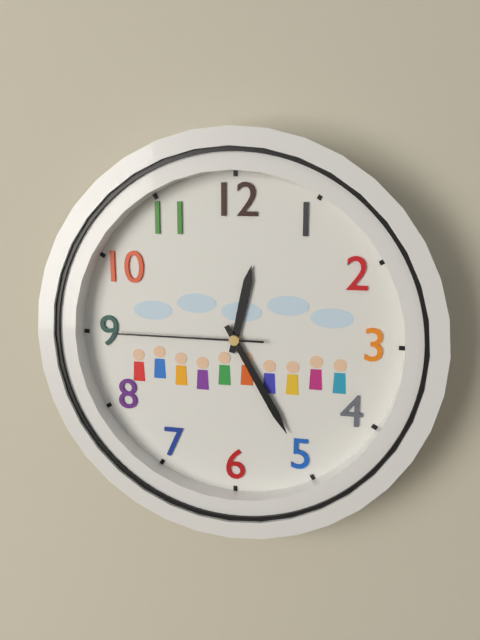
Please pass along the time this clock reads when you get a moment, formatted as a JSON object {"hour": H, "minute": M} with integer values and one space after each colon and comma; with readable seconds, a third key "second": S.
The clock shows {"hour": 12, "minute": 25, "second": 45}
